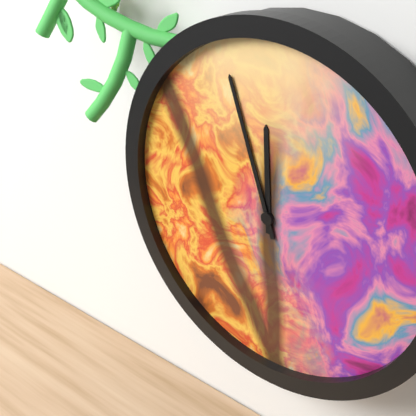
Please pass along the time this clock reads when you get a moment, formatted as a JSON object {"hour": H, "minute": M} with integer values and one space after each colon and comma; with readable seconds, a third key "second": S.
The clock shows {"hour": 11, "minute": 57}
